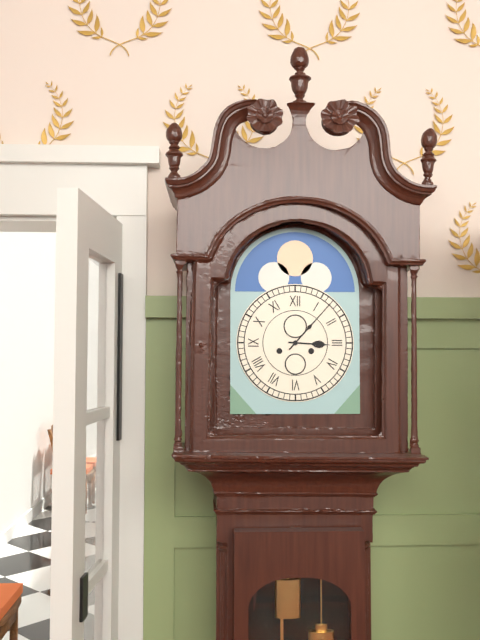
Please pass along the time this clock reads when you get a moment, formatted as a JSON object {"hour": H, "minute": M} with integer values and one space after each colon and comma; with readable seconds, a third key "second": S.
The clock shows {"hour": 3, "minute": 7}
